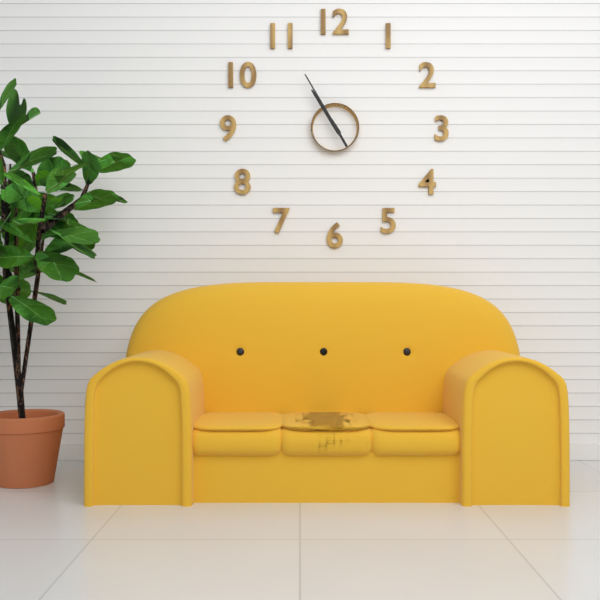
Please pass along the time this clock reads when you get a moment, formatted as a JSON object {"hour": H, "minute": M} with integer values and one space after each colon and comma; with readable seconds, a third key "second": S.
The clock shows {"hour": 10, "minute": 55}
